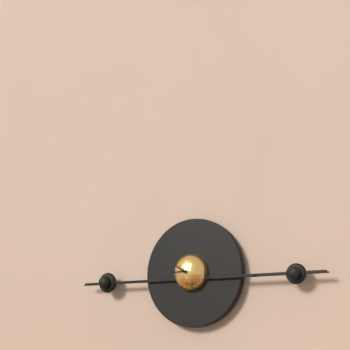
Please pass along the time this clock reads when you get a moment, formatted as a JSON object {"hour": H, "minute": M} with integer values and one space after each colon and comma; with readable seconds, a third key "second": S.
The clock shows {"hour": 8, "minute": 51}
